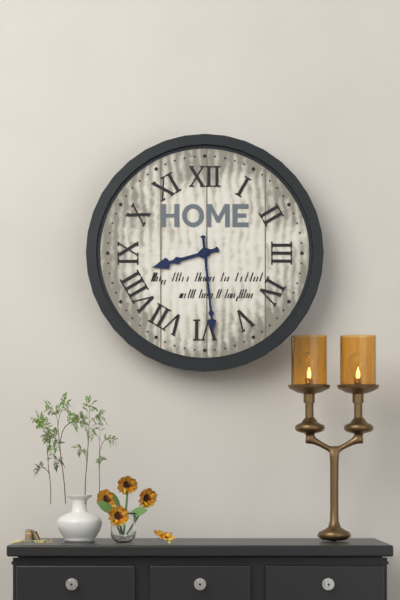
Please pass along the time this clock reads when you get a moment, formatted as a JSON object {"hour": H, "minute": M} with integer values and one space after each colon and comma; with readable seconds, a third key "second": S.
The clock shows {"hour": 8, "minute": 29}
